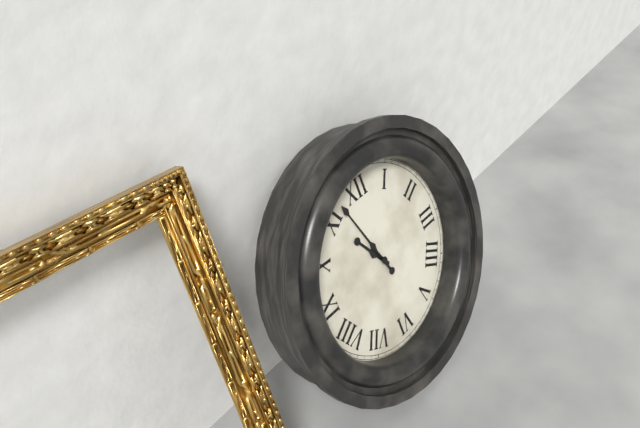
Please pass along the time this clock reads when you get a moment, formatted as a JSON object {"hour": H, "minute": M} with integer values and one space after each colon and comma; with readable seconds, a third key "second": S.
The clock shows {"hour": 10, "minute": 57}
